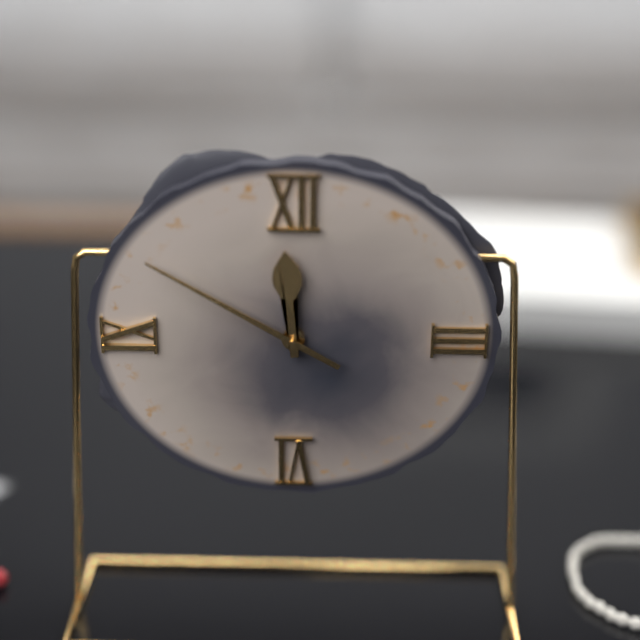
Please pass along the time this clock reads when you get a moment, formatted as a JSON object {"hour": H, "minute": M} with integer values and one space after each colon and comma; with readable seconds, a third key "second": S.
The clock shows {"hour": 11, "minute": 50}
